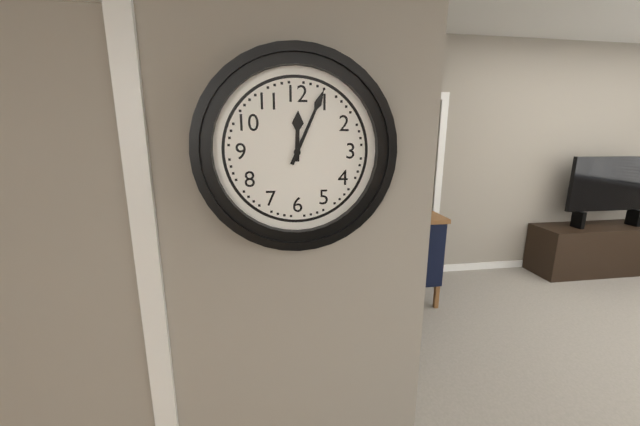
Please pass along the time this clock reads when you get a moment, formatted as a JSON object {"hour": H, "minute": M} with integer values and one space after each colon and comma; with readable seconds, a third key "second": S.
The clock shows {"hour": 12, "minute": 4}
